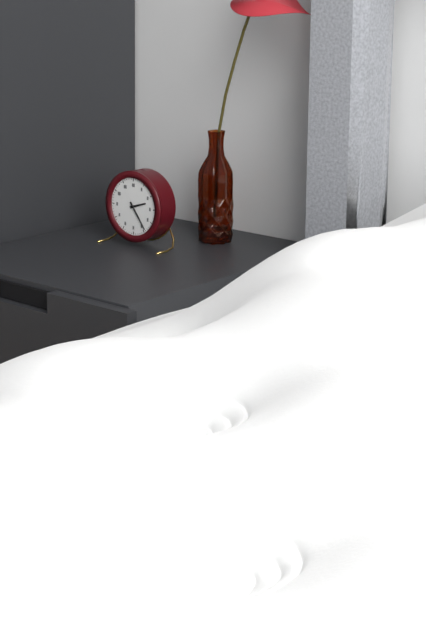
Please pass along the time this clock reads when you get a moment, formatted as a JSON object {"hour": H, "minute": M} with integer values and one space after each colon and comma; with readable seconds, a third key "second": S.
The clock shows {"hour": 2, "minute": 24}
